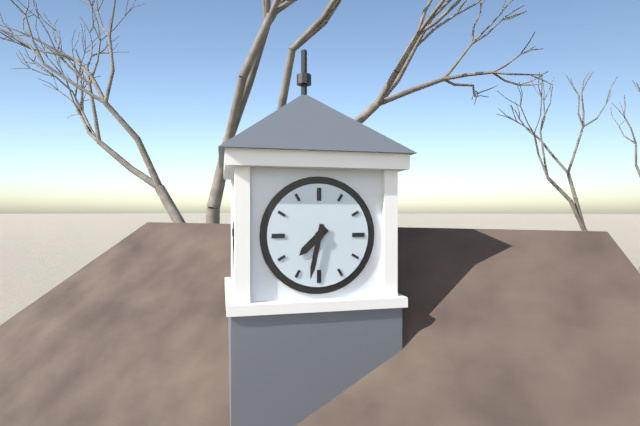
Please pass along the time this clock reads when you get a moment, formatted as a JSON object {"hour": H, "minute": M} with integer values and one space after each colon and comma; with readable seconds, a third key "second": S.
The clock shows {"hour": 7, "minute": 32}
